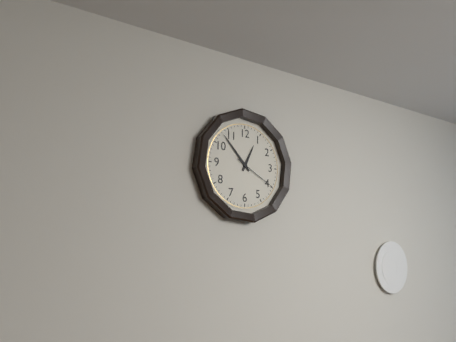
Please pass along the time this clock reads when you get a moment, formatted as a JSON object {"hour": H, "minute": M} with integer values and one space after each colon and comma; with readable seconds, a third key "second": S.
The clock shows {"hour": 12, "minute": 53}
